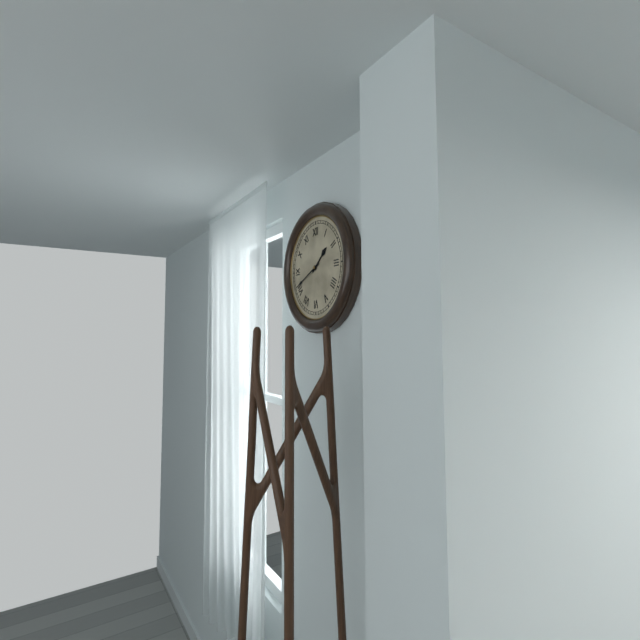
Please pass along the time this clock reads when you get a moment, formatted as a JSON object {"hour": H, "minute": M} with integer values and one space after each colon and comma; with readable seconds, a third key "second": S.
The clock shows {"hour": 1, "minute": 41}
